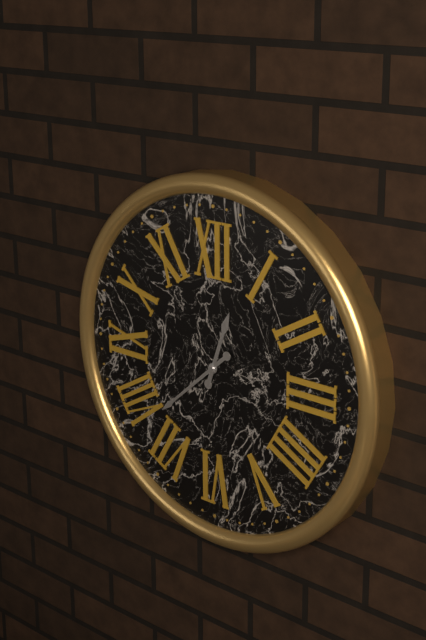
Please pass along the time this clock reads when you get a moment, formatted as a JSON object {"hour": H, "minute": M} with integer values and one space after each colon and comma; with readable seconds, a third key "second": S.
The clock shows {"hour": 12, "minute": 38}
